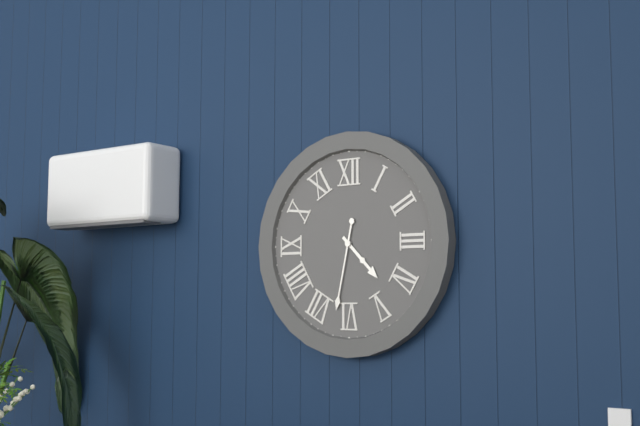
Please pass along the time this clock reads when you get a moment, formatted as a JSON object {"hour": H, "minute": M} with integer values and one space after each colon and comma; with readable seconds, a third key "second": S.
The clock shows {"hour": 4, "minute": 32}
